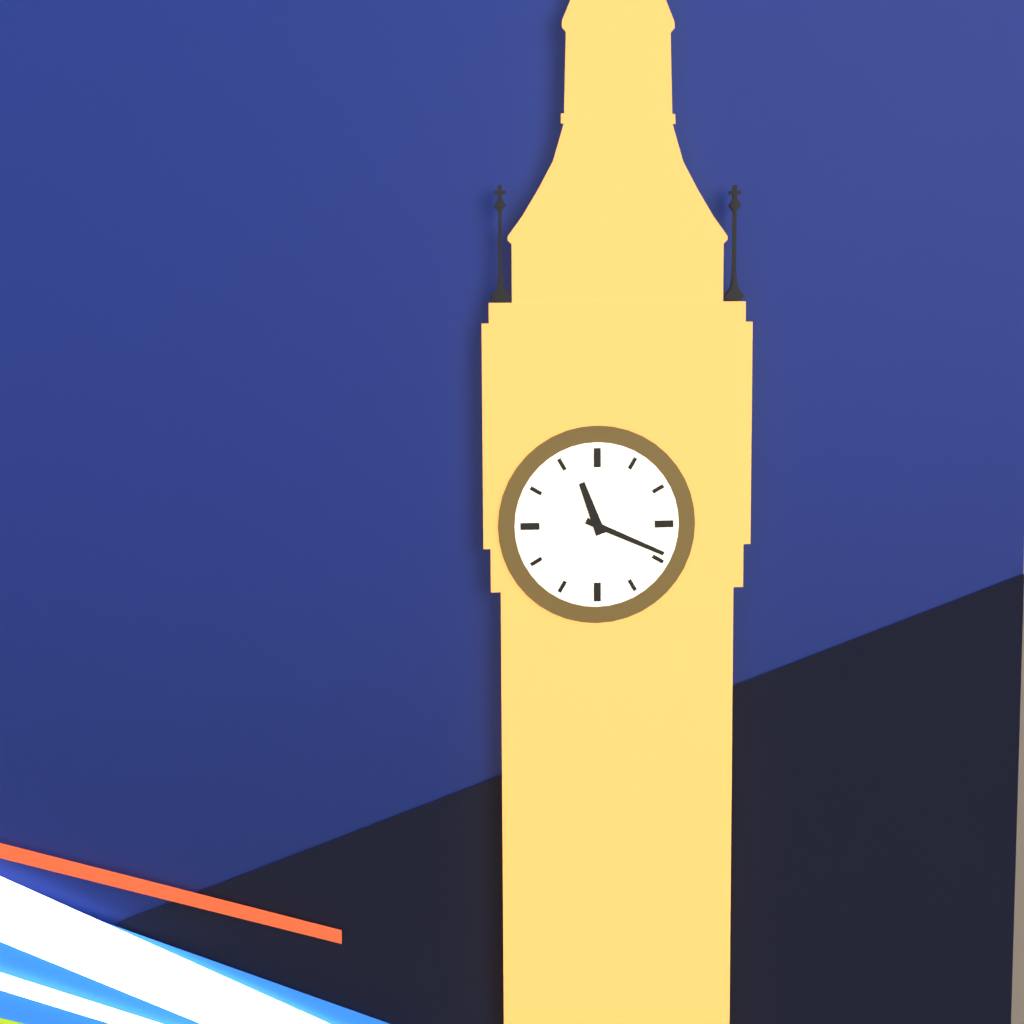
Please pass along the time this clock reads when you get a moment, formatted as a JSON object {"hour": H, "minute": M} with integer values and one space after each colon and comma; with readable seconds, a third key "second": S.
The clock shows {"hour": 11, "minute": 19}
